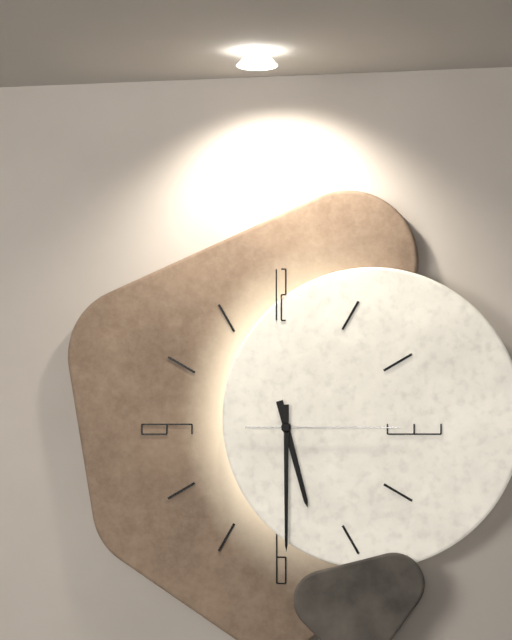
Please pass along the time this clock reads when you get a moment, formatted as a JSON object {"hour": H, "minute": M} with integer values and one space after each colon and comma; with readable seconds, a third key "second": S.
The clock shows {"hour": 5, "minute": 30, "second": 15}
